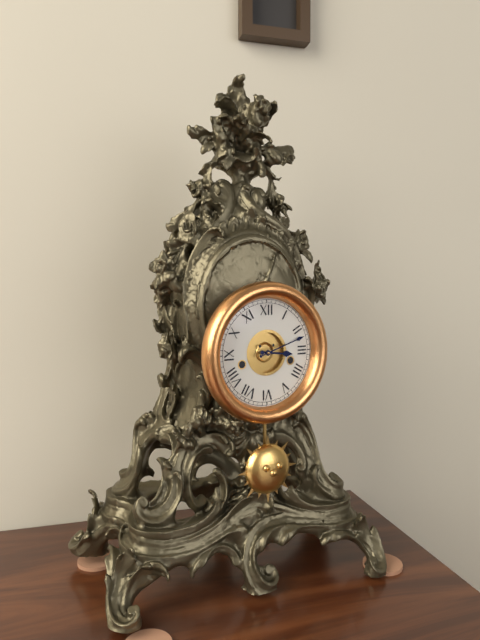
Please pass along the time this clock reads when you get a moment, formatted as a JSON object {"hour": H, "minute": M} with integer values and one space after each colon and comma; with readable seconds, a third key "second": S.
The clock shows {"hour": 3, "minute": 12}
